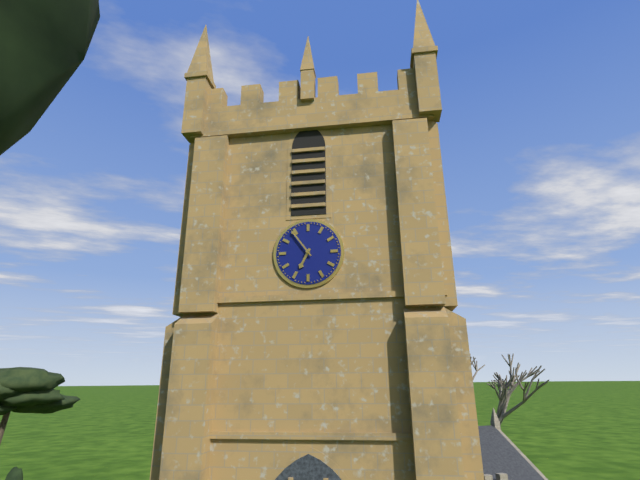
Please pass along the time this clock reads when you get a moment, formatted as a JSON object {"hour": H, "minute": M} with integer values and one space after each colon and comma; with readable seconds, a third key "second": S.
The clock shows {"hour": 6, "minute": 54}
